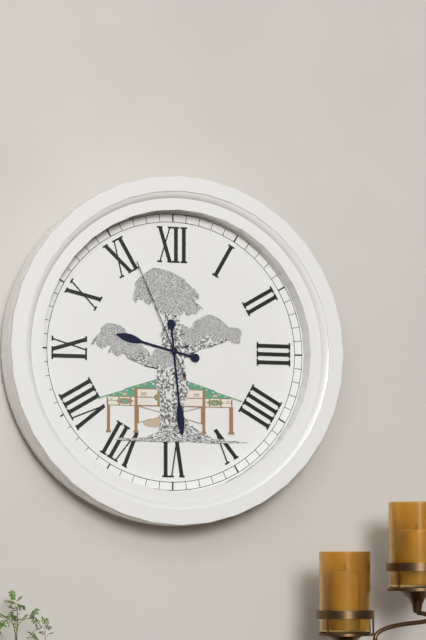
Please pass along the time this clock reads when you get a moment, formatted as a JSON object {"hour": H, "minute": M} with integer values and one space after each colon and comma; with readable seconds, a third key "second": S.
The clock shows {"hour": 9, "minute": 29, "second": 56}
